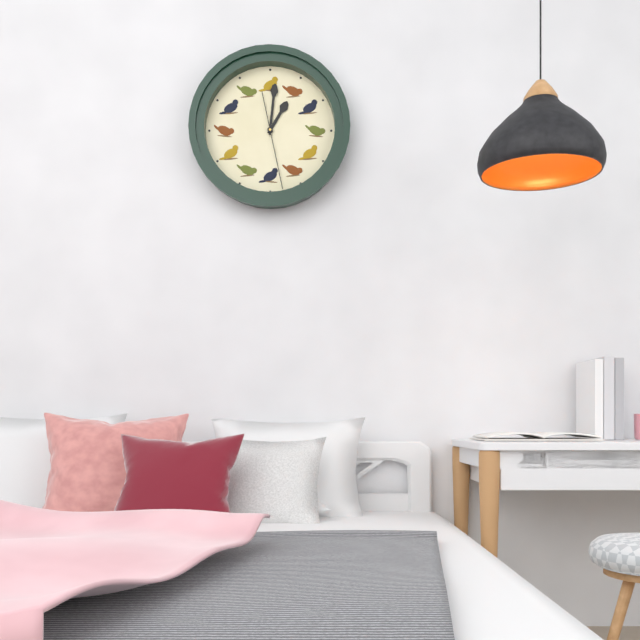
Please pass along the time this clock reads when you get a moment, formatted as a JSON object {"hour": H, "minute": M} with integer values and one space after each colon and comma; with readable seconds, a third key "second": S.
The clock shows {"hour": 1, "minute": 1, "second": 28}
